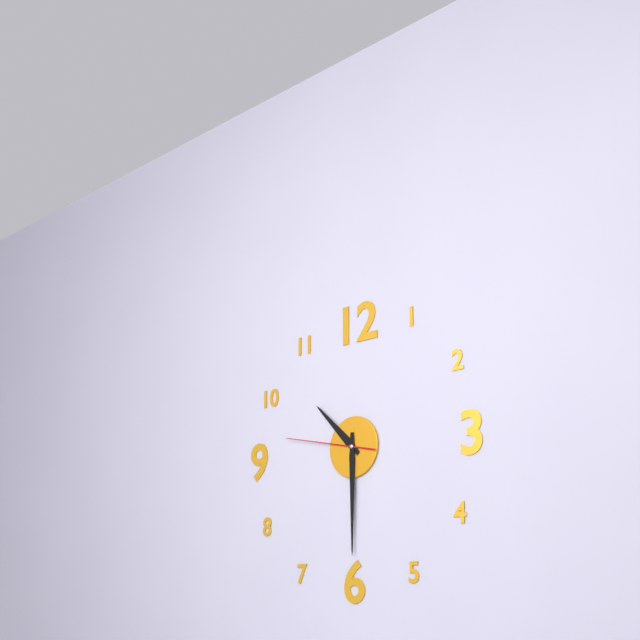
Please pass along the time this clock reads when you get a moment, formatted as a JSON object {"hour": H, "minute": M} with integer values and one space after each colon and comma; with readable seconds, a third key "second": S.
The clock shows {"hour": 10, "minute": 30, "second": 47}
